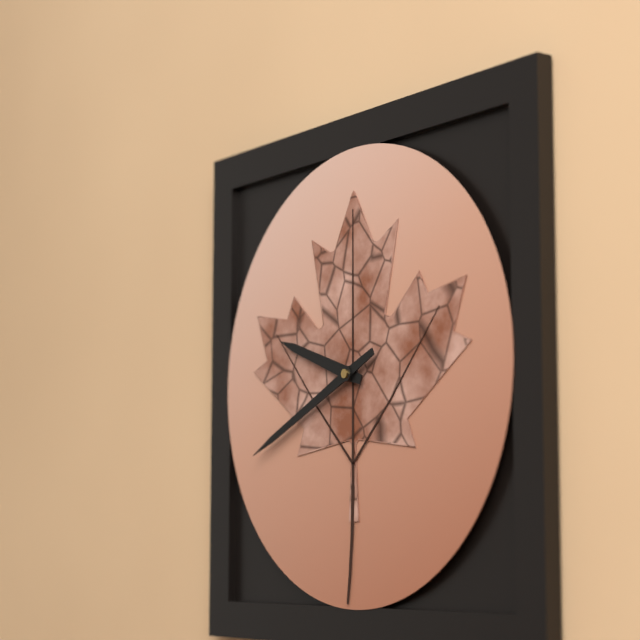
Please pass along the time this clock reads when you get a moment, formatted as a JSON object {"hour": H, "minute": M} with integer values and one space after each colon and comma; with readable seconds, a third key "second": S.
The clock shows {"hour": 9, "minute": 41}
